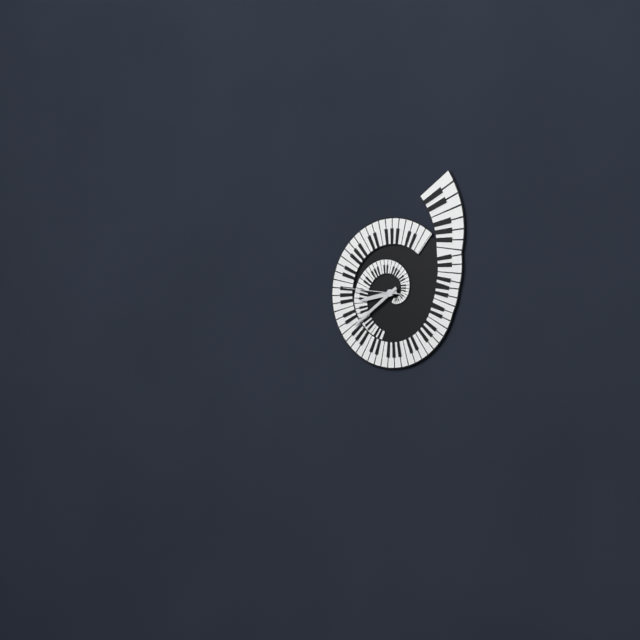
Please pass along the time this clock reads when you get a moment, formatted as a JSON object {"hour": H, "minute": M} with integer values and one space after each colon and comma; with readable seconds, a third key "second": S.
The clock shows {"hour": 8, "minute": 39, "second": 46}
